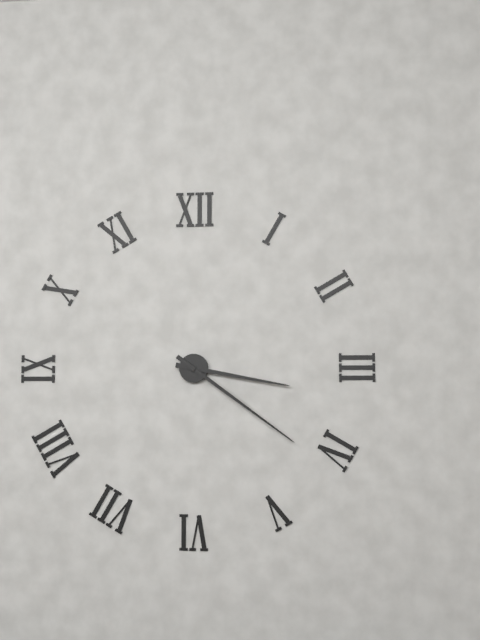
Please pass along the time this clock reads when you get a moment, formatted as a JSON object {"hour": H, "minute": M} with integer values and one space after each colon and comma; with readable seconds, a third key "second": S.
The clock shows {"hour": 3, "minute": 21}
